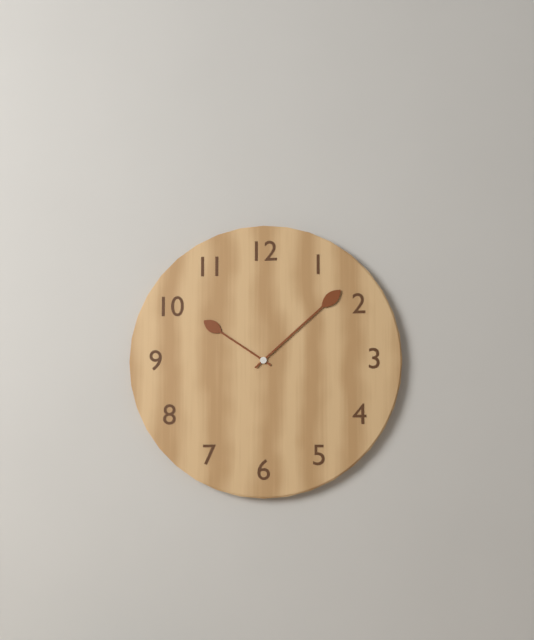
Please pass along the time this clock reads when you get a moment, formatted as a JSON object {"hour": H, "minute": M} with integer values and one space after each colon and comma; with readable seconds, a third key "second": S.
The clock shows {"hour": 10, "minute": 8}
